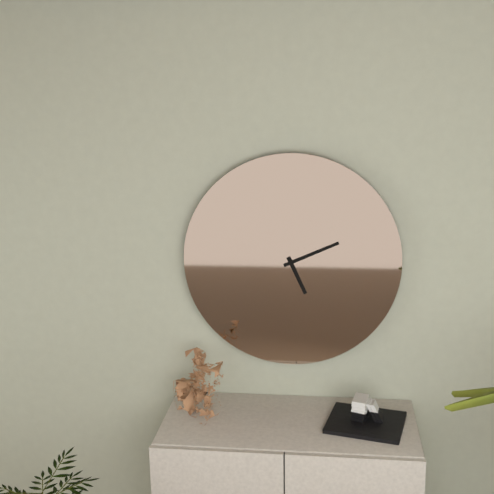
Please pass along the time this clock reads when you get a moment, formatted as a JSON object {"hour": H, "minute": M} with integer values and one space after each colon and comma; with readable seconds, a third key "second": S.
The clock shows {"hour": 5, "minute": 11}
